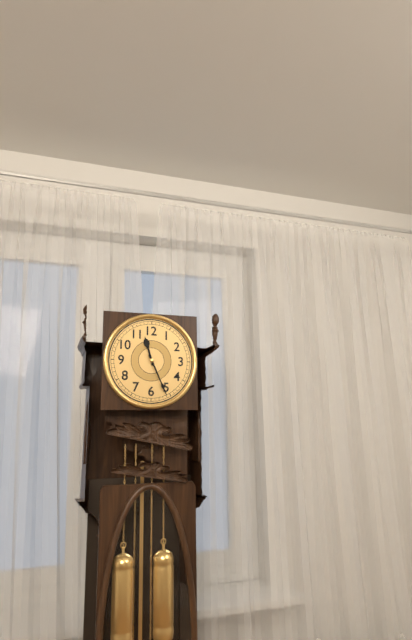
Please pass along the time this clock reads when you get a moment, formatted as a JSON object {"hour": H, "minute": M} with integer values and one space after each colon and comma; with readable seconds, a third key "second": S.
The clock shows {"hour": 11, "minute": 26}
